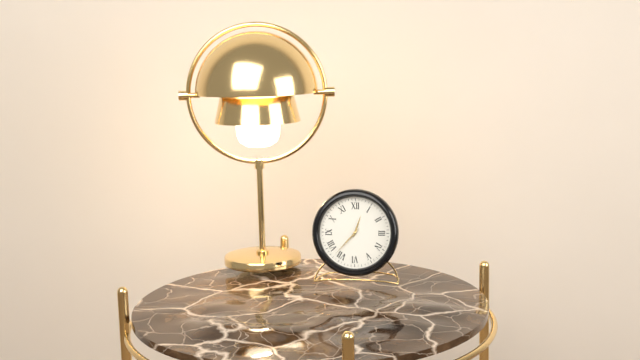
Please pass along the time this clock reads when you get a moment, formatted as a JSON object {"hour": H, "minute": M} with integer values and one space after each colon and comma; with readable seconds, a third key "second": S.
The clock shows {"hour": 12, "minute": 37}
